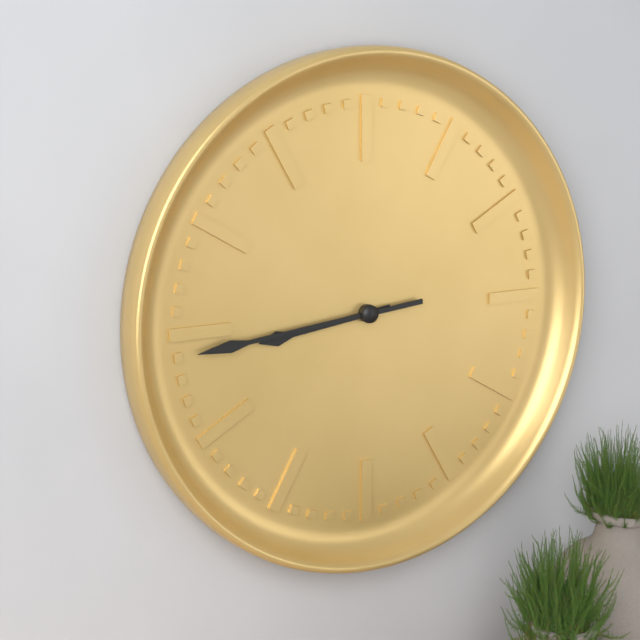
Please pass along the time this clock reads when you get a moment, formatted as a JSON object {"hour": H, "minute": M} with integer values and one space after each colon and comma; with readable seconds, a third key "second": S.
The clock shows {"hour": 8, "minute": 44}
